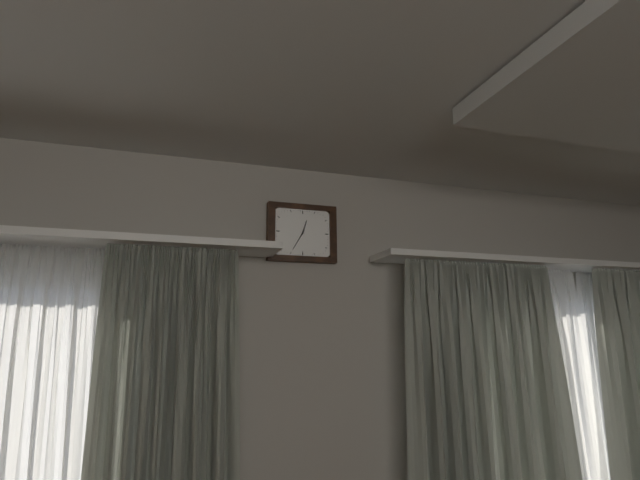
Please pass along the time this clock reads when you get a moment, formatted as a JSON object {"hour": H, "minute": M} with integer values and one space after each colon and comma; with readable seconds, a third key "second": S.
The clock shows {"hour": 12, "minute": 35}
